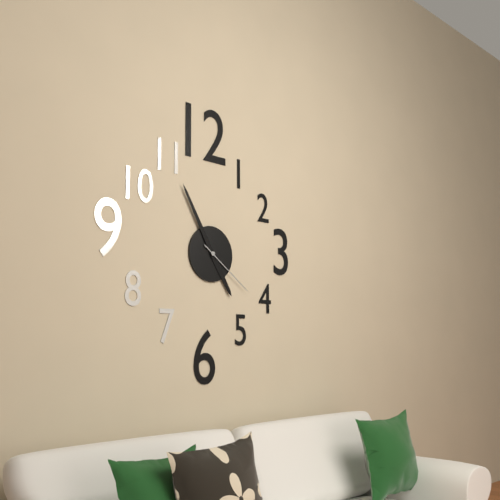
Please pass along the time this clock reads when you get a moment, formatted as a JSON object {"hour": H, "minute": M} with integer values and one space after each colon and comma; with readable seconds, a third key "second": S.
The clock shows {"hour": 4, "minute": 55, "second": 21}
